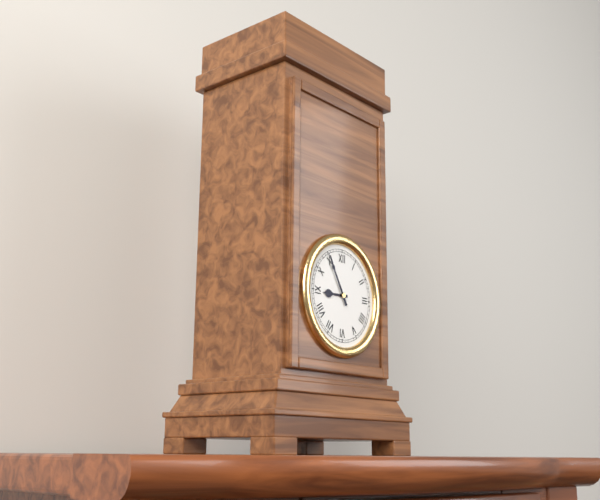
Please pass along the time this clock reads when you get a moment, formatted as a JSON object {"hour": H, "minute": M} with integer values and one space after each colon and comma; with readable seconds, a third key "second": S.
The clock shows {"hour": 8, "minute": 55}
